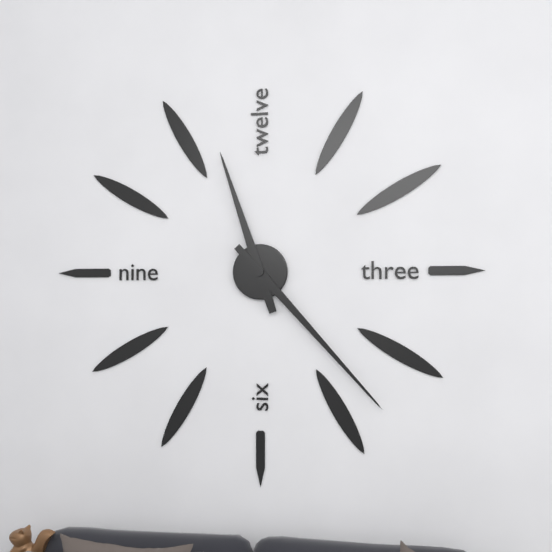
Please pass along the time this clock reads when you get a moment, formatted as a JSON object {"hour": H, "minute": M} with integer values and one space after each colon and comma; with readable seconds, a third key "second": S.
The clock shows {"hour": 11, "minute": 23}
